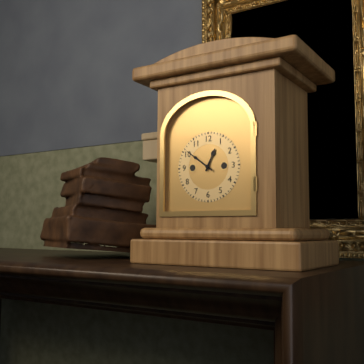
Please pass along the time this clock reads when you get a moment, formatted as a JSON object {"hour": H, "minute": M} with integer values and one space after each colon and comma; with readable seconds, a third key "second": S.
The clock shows {"hour": 12, "minute": 51}
